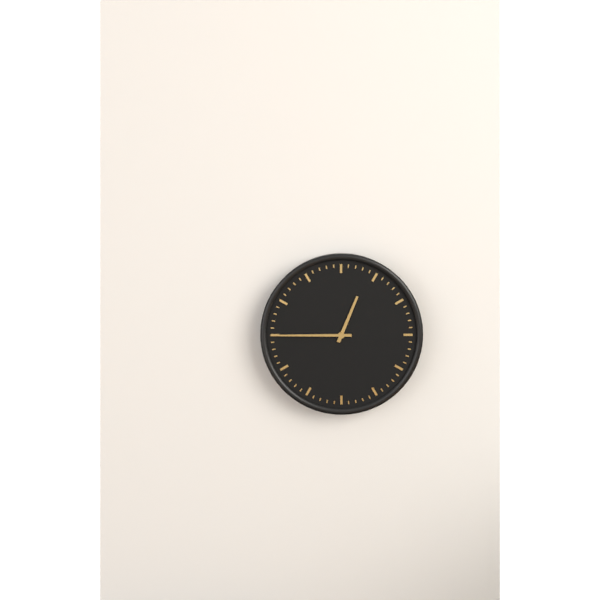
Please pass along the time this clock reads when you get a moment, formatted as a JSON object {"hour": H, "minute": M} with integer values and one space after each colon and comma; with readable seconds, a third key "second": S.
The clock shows {"hour": 12, "minute": 45}
